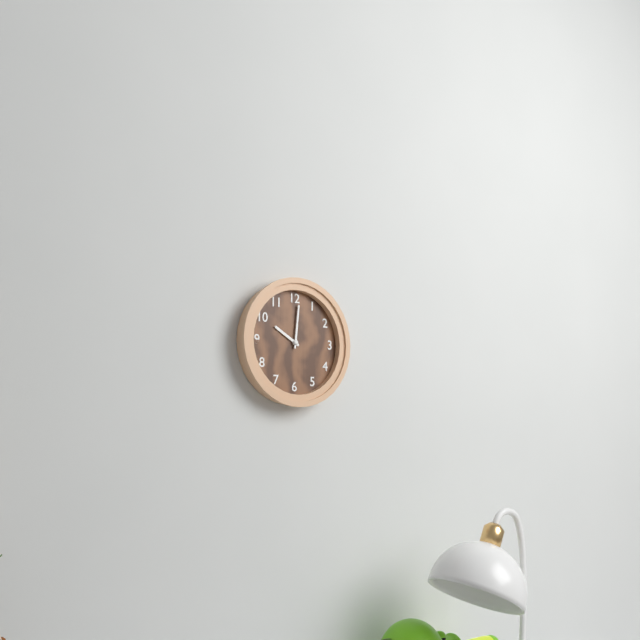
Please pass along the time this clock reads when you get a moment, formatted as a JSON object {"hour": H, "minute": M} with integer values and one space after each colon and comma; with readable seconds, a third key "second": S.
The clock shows {"hour": 10, "minute": 1}
